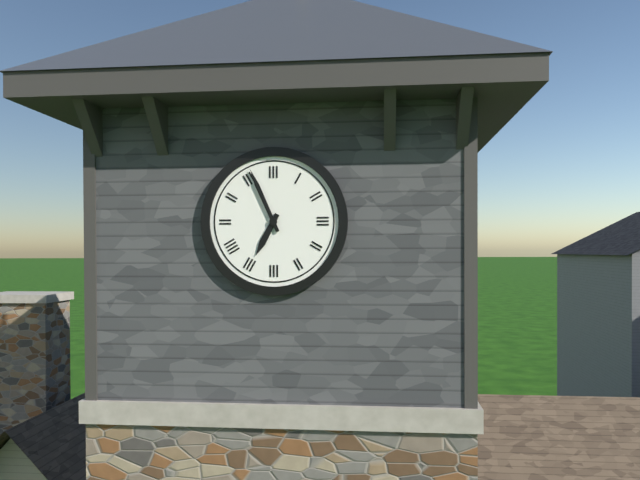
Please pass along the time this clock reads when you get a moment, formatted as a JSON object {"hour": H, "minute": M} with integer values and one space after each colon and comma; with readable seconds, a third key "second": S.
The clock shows {"hour": 6, "minute": 56}
